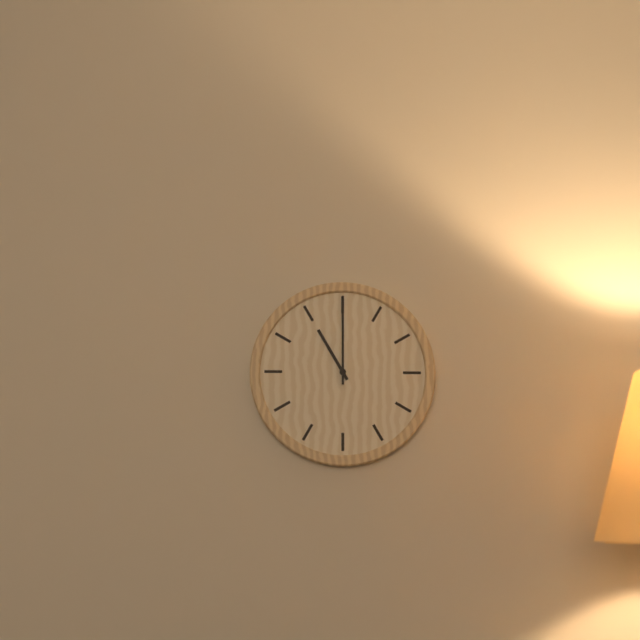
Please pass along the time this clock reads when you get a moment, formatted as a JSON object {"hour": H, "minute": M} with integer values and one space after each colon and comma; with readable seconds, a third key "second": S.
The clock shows {"hour": 11, "minute": 0}
